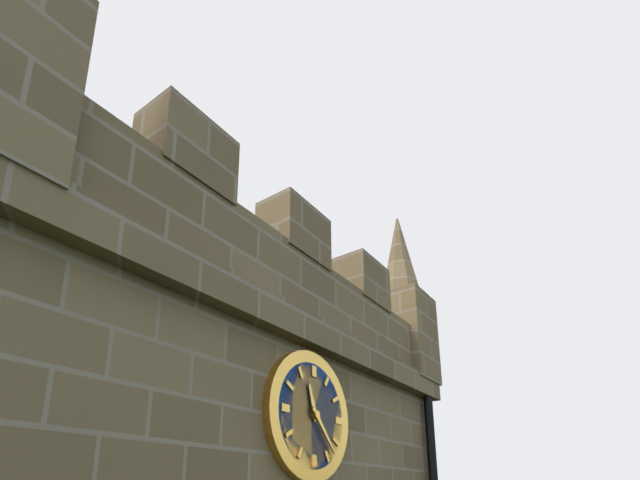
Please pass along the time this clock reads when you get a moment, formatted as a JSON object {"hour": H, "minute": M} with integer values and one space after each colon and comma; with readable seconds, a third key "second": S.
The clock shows {"hour": 11, "minute": 23}
